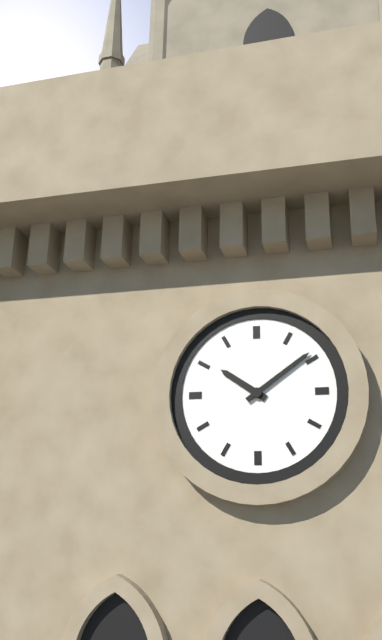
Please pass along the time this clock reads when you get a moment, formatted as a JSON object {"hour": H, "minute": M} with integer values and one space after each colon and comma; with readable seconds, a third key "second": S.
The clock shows {"hour": 10, "minute": 9}
